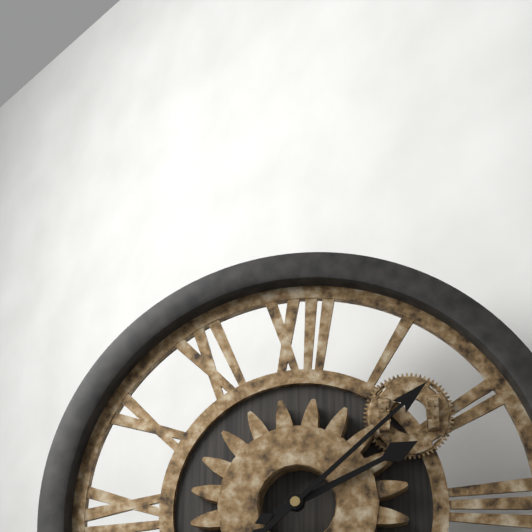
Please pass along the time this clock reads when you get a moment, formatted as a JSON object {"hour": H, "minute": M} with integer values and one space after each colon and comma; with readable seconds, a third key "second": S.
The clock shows {"hour": 2, "minute": 8}
